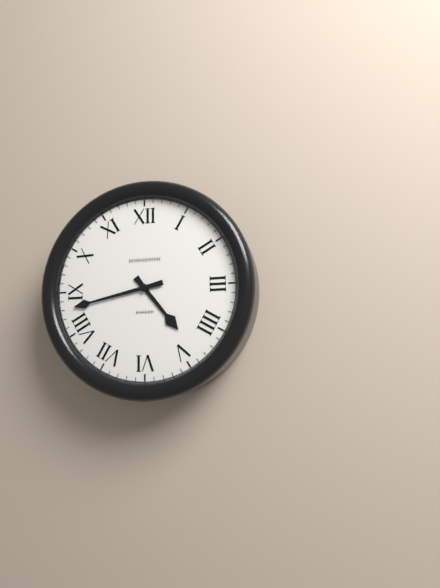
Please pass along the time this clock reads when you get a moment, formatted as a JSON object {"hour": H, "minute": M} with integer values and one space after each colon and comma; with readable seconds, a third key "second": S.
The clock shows {"hour": 4, "minute": 43}
